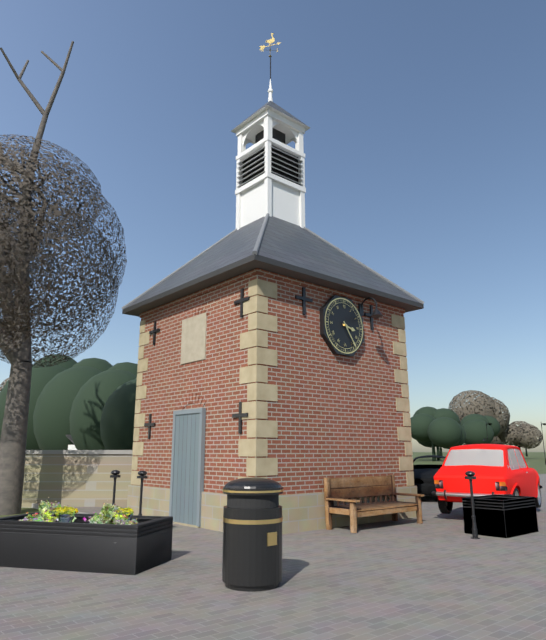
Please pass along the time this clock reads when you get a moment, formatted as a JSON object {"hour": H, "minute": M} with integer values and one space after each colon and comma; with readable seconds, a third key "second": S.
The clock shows {"hour": 3, "minute": 24}
